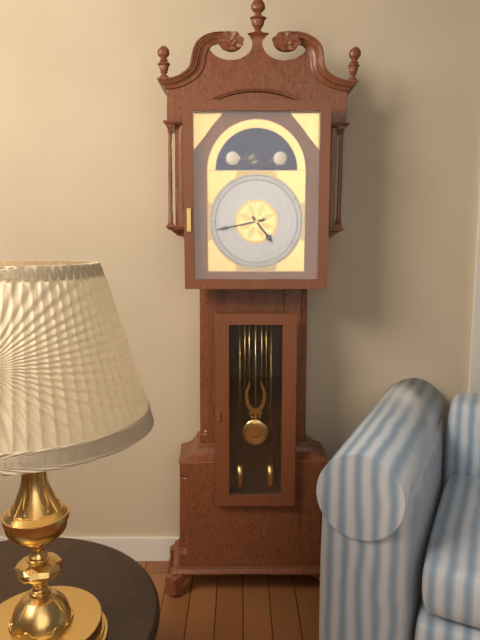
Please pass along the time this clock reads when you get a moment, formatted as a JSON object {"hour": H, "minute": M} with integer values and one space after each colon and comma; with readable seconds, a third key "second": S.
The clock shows {"hour": 4, "minute": 43}
